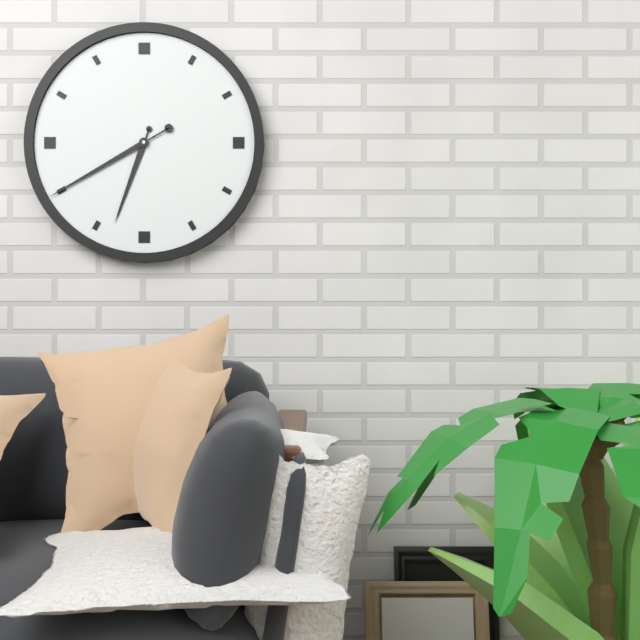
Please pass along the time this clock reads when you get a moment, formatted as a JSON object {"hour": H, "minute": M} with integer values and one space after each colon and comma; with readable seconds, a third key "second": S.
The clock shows {"hour": 6, "minute": 40}
